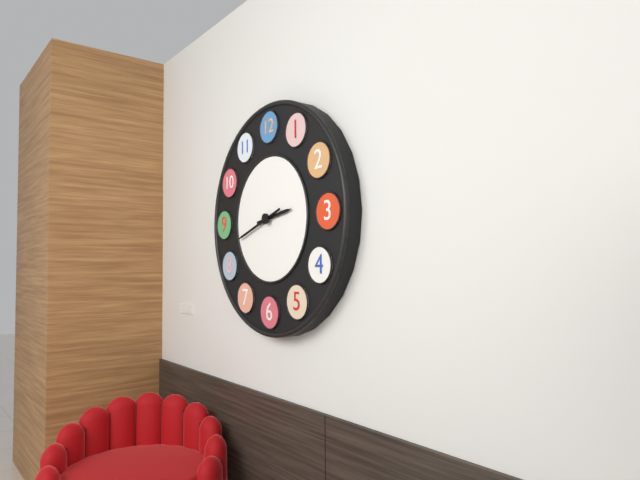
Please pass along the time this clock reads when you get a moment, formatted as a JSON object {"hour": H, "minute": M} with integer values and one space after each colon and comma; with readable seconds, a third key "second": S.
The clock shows {"hour": 2, "minute": 42}
